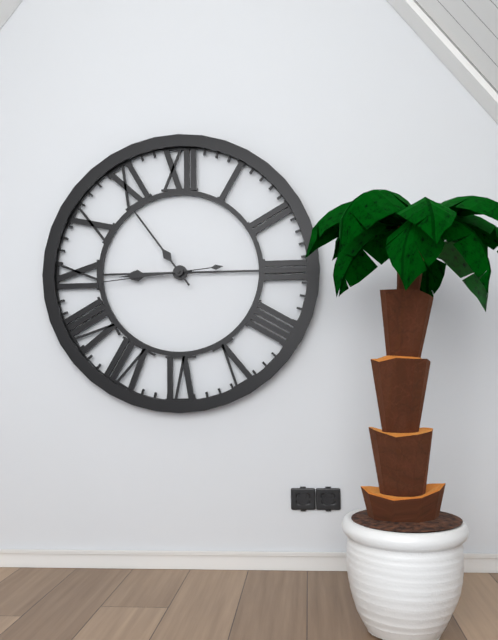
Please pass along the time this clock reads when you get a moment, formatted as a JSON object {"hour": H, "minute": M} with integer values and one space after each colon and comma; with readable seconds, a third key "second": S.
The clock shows {"hour": 8, "minute": 54, "second": 44}
